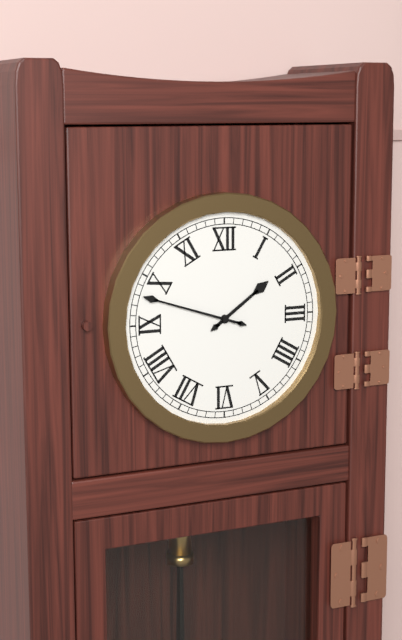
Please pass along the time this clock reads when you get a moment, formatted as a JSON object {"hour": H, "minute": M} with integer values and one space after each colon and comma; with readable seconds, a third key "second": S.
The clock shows {"hour": 1, "minute": 48}
